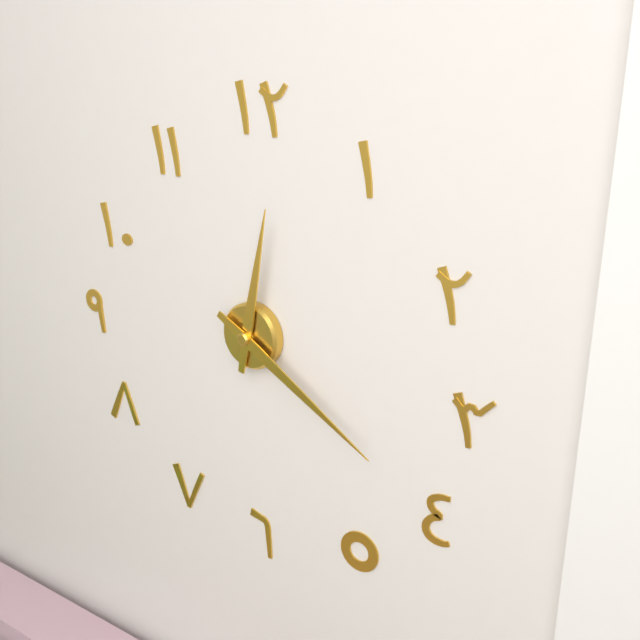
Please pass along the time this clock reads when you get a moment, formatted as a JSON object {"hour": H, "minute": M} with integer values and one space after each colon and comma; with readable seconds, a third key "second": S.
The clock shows {"hour": 12, "minute": 20}
